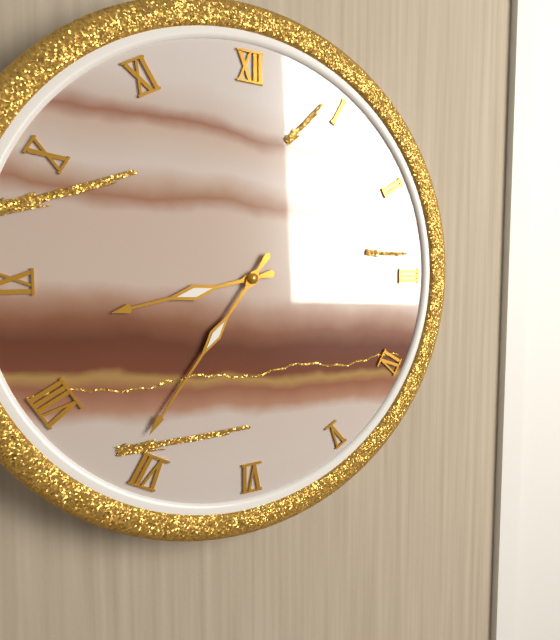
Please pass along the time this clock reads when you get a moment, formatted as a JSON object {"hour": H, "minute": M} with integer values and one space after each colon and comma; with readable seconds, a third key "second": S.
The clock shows {"hour": 8, "minute": 36}
